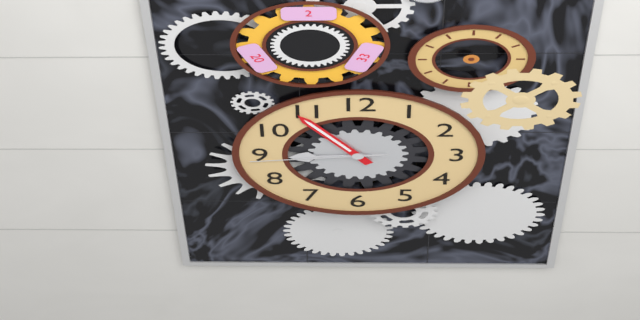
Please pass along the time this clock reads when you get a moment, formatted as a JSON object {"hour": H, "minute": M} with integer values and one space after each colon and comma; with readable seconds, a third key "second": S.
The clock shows {"hour": 8, "minute": 54, "second": 44}
